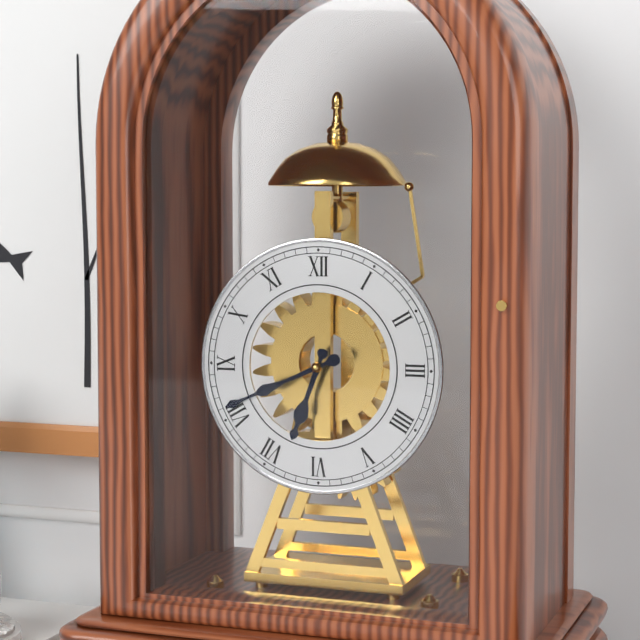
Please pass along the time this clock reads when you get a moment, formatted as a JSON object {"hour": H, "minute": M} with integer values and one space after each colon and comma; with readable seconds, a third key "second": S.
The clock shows {"hour": 6, "minute": 41}
